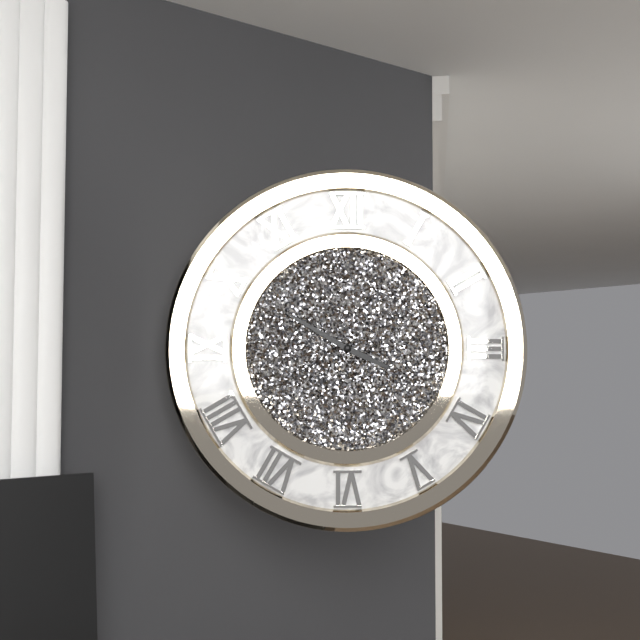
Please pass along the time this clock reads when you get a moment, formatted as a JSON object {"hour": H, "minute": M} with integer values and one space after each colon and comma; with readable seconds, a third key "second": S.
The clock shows {"hour": 3, "minute": 50}
